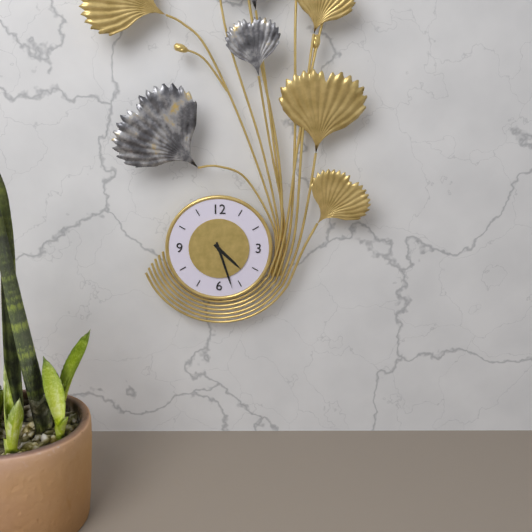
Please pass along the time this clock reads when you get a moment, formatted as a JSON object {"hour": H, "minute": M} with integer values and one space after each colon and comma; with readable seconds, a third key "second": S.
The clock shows {"hour": 4, "minute": 27}
